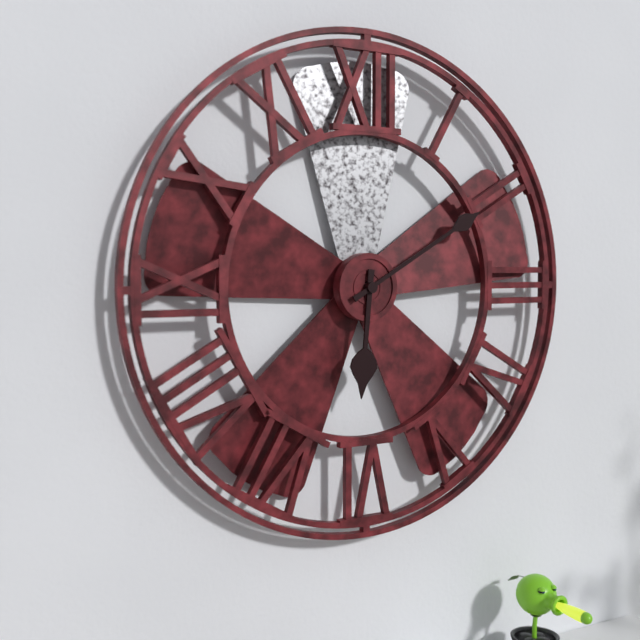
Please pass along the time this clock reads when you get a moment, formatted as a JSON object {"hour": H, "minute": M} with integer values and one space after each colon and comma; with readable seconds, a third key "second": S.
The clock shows {"hour": 6, "minute": 10}
